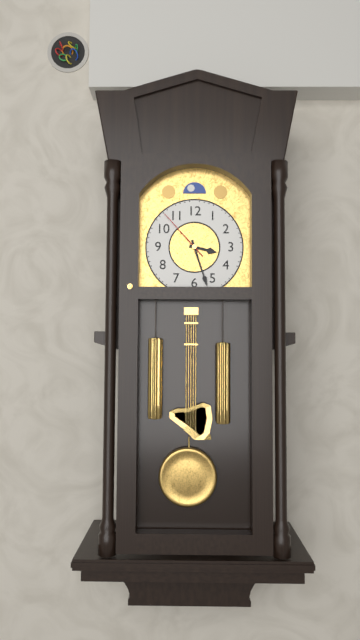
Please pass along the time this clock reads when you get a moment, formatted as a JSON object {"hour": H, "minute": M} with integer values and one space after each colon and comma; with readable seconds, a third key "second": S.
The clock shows {"hour": 3, "minute": 27, "second": 53}
